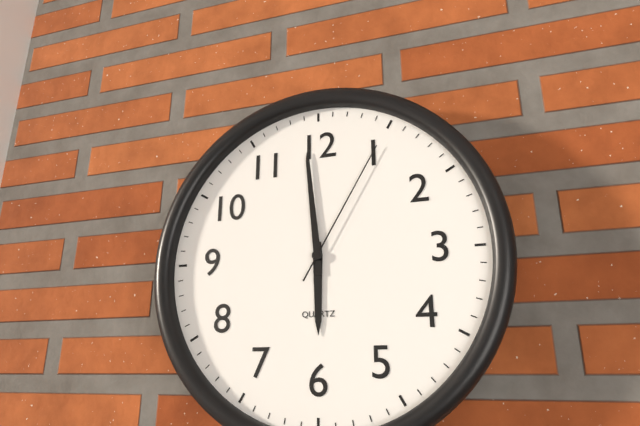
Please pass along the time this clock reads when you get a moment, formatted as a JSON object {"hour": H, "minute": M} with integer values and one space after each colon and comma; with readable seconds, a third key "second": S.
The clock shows {"hour": 5, "minute": 59, "second": 5}
